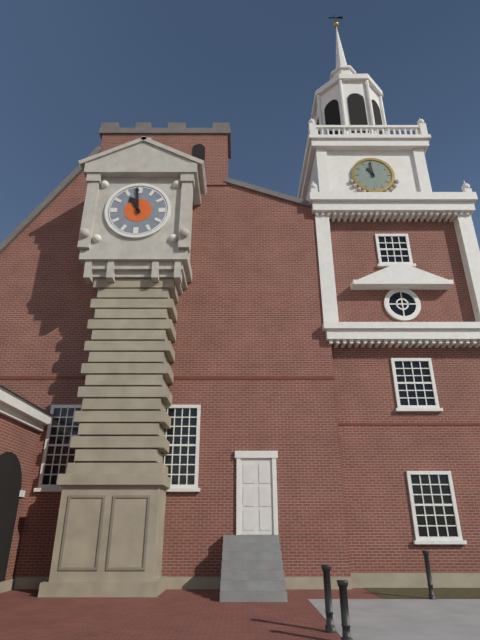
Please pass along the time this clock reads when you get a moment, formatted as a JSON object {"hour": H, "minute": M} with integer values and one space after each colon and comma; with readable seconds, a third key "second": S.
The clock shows {"hour": 10, "minute": 59}
